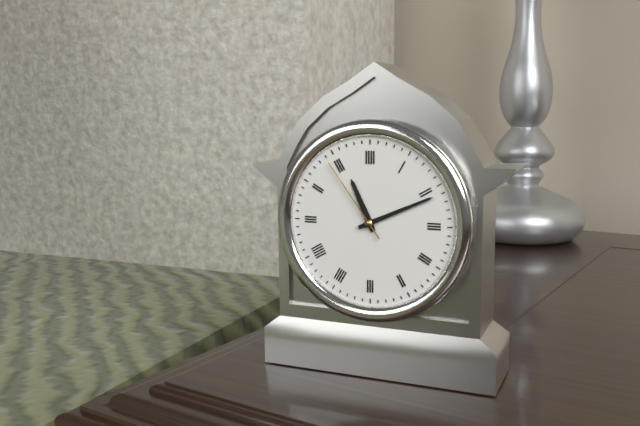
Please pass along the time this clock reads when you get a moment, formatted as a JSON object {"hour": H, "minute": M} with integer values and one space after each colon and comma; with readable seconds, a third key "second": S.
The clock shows {"hour": 11, "minute": 11, "second": 54}
